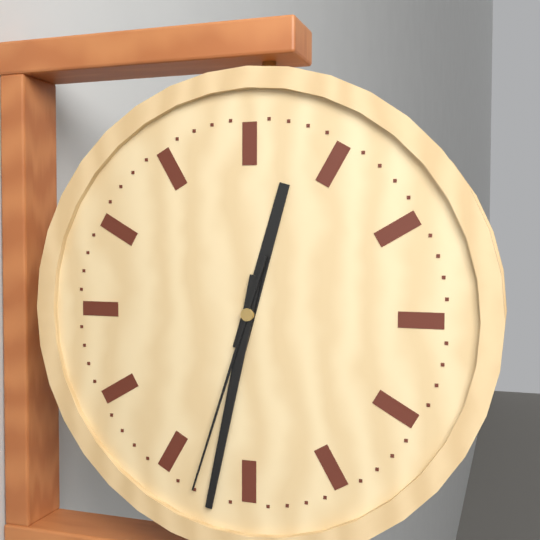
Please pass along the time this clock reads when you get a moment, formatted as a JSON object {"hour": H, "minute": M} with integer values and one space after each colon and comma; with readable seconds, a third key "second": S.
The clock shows {"hour": 12, "minute": 32, "second": 33}
